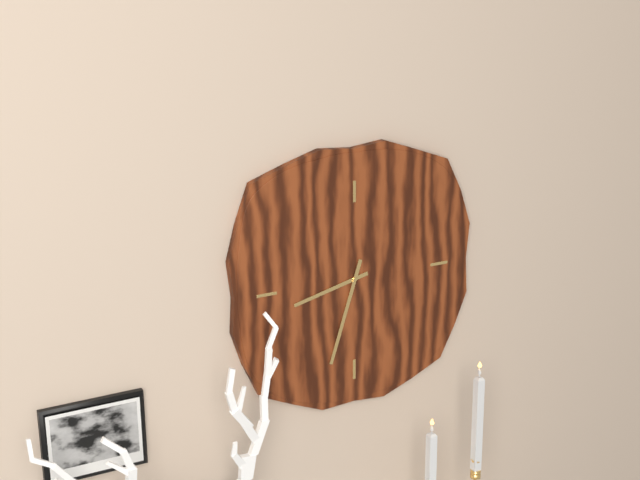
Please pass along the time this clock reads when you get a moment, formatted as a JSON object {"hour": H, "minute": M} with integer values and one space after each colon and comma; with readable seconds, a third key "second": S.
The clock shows {"hour": 8, "minute": 33}
